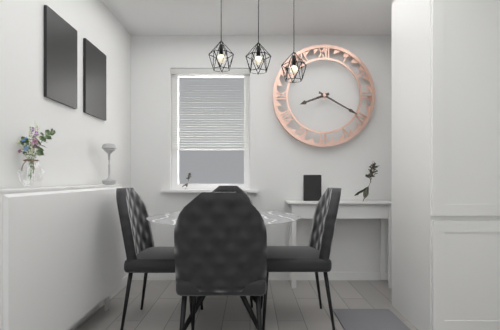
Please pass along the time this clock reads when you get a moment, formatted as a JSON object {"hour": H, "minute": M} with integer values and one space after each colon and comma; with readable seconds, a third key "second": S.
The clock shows {"hour": 8, "minute": 20}
